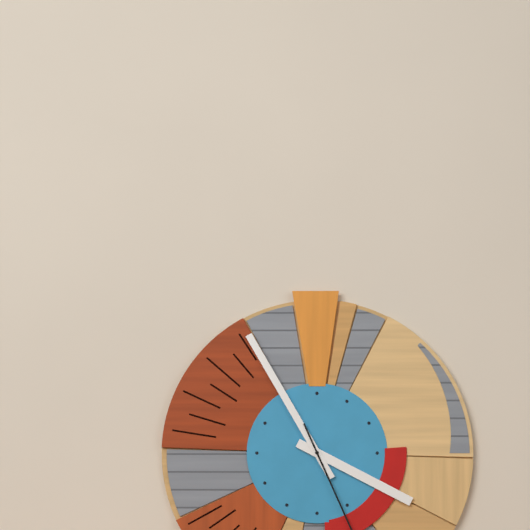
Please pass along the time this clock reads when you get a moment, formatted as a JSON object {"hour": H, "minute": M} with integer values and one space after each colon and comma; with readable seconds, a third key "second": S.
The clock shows {"hour": 3, "minute": 55}
